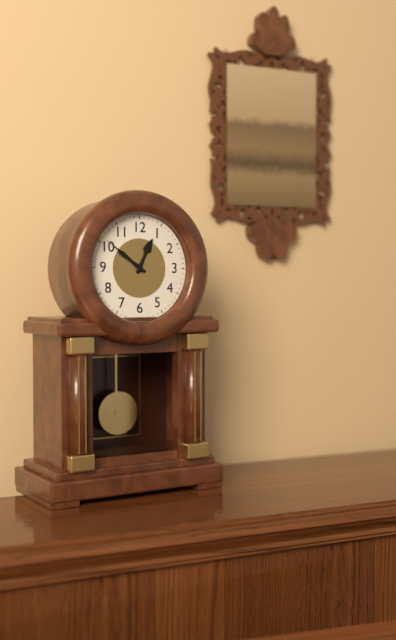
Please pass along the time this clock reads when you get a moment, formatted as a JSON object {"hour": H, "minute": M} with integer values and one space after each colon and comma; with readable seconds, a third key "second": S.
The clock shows {"hour": 12, "minute": 51}
